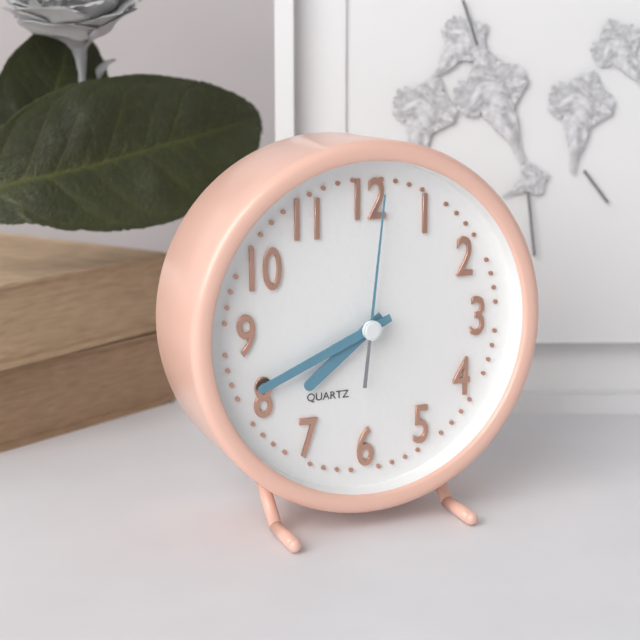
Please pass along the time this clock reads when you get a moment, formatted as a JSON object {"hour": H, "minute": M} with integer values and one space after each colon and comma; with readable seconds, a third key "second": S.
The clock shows {"hour": 7, "minute": 41, "second": 1}
